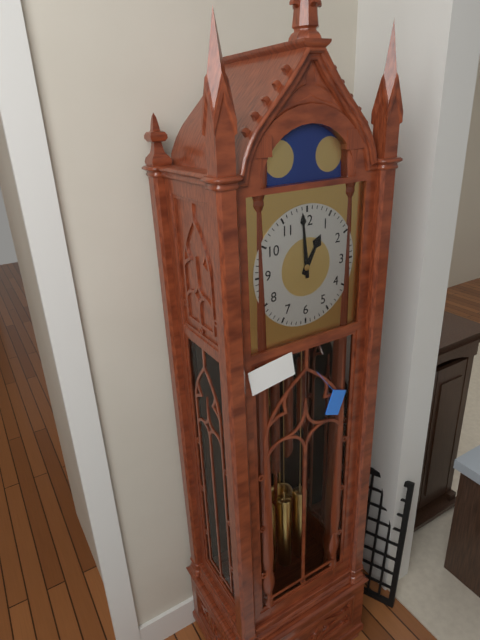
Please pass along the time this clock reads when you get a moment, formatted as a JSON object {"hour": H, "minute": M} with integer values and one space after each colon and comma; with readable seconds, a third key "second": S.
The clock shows {"hour": 12, "minute": 59}
